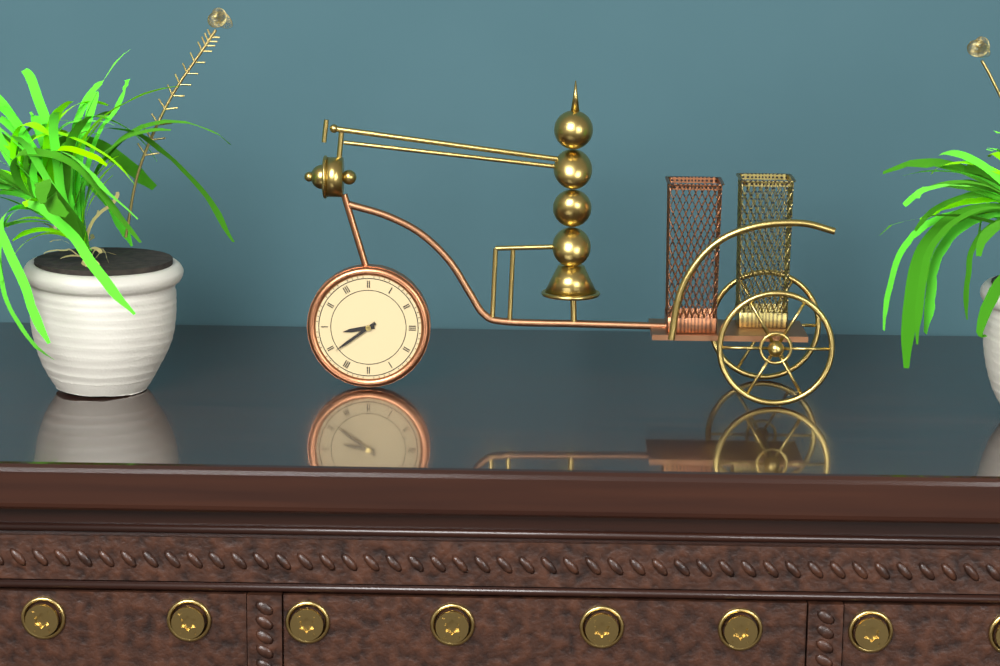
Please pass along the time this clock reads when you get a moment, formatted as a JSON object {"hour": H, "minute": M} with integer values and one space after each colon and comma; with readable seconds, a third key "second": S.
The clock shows {"hour": 8, "minute": 39}
